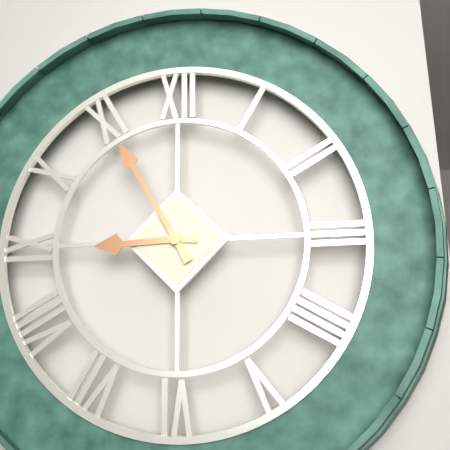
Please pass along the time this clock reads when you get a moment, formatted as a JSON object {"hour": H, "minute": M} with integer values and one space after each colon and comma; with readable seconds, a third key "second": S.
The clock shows {"hour": 8, "minute": 55}
